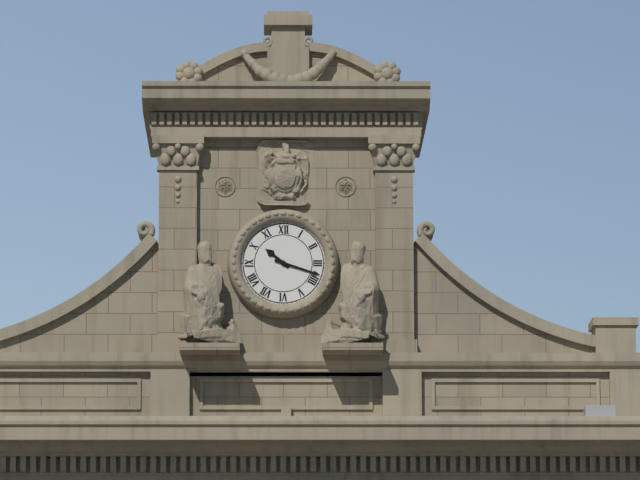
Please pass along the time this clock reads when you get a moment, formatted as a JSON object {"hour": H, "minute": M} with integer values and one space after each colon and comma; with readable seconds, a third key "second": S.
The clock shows {"hour": 10, "minute": 18}
